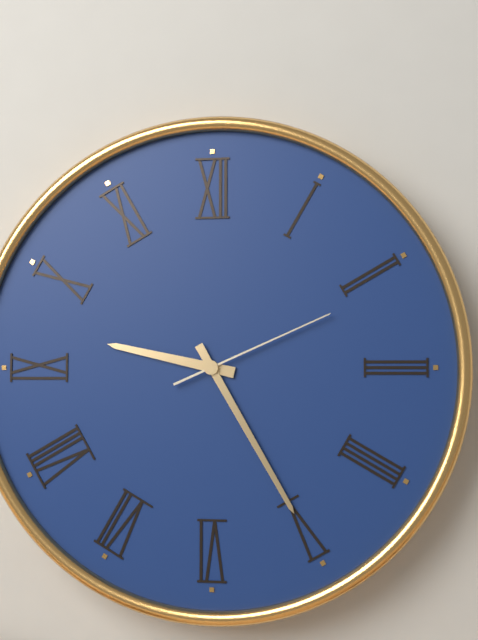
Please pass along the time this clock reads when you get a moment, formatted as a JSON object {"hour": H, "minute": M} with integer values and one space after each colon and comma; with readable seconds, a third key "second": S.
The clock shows {"hour": 9, "minute": 25, "second": 11}
